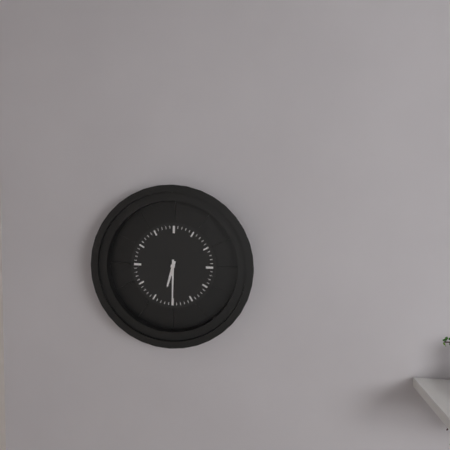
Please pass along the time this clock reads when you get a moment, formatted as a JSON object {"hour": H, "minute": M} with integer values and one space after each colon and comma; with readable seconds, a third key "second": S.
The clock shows {"hour": 6, "minute": 30}
